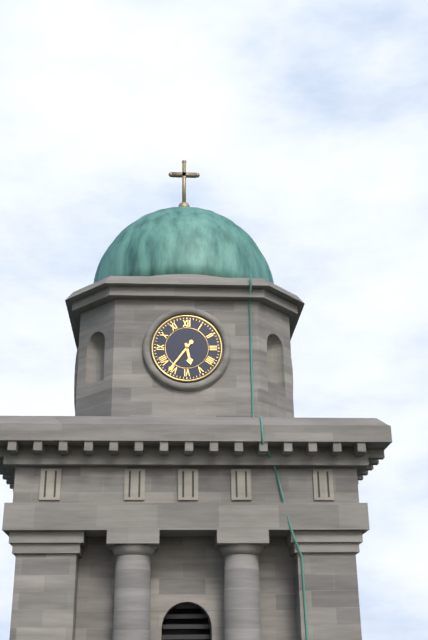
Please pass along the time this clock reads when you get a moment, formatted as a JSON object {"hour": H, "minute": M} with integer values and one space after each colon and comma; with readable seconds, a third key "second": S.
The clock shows {"hour": 5, "minute": 36}
